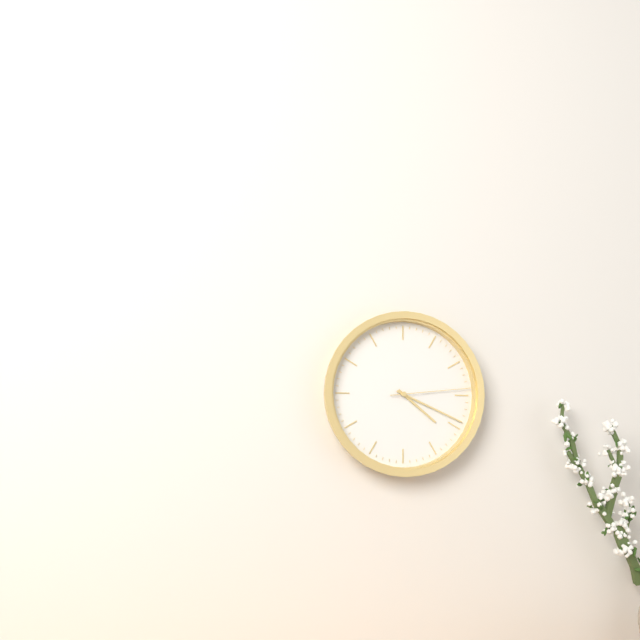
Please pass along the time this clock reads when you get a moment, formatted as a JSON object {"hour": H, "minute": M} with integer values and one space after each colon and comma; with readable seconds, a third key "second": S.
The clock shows {"hour": 4, "minute": 19, "second": 14}
